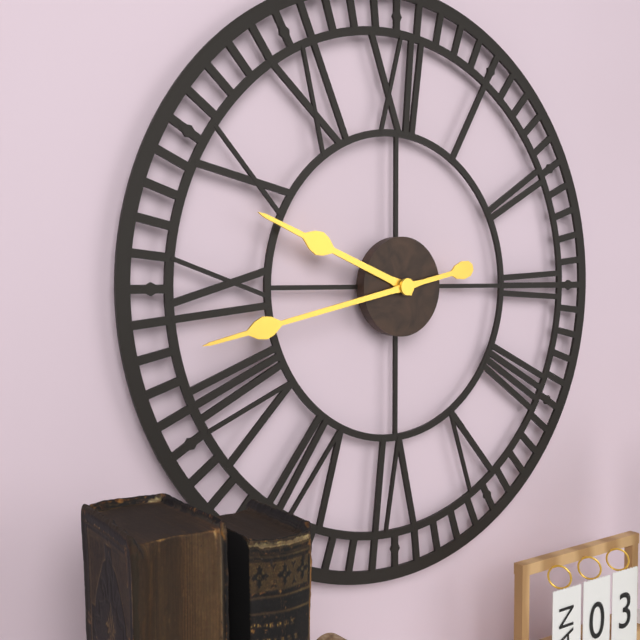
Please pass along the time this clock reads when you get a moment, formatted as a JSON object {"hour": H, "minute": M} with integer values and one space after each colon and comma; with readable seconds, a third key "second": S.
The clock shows {"hour": 9, "minute": 43}
